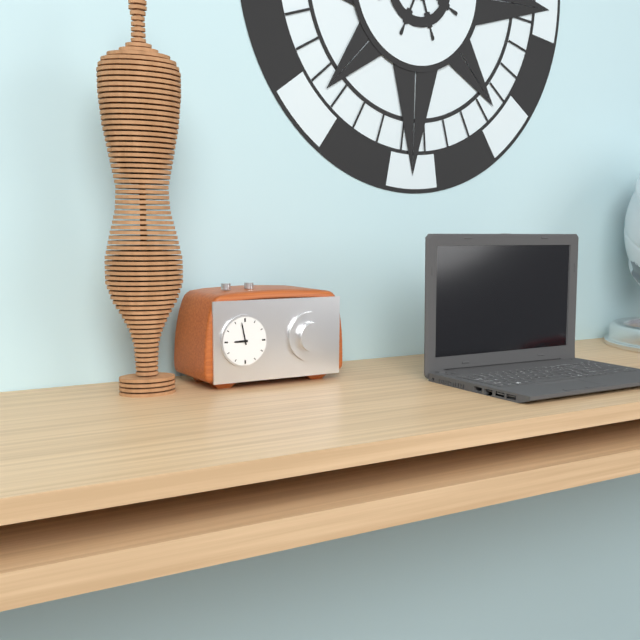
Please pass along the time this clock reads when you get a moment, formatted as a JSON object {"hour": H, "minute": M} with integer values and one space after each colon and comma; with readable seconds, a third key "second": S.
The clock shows {"hour": 8, "minute": 58}
